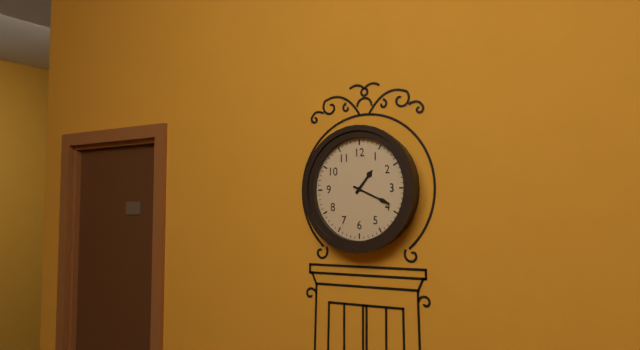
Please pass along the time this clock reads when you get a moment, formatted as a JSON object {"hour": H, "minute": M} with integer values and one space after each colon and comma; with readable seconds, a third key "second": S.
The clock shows {"hour": 1, "minute": 19}
